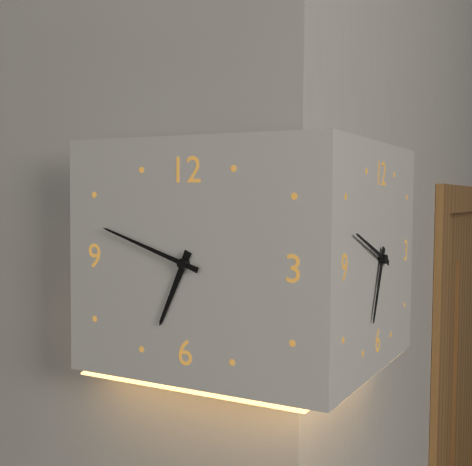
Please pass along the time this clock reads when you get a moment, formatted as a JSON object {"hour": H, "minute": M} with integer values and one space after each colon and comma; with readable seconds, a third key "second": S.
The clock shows {"hour": 6, "minute": 48}
